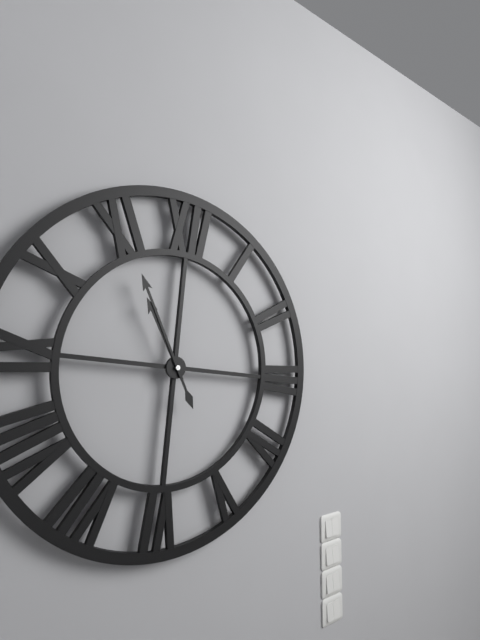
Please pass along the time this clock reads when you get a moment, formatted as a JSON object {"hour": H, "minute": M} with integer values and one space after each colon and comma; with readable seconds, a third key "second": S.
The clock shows {"hour": 10, "minute": 55}
